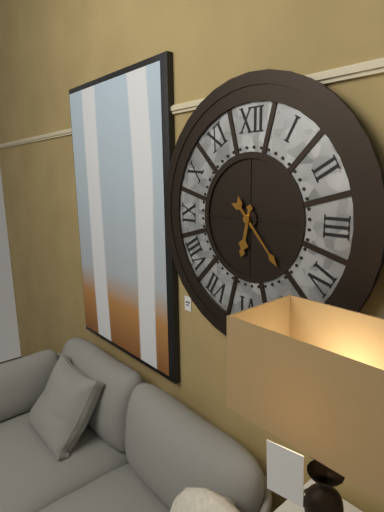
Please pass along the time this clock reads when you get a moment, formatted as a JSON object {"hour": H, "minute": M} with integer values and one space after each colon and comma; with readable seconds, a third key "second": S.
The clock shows {"hour": 6, "minute": 23}
